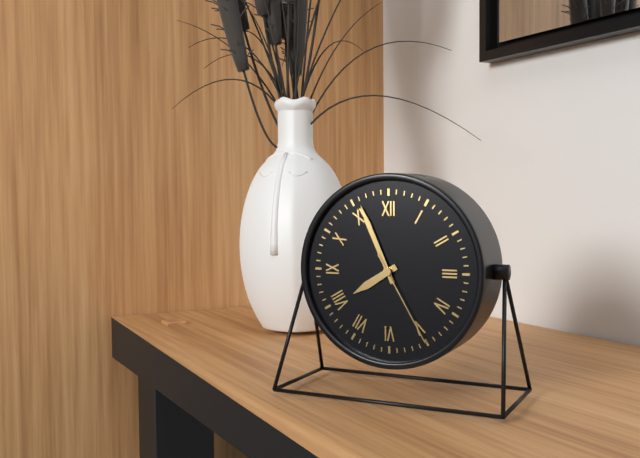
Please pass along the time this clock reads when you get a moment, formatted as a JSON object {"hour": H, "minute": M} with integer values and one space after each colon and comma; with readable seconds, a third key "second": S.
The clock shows {"hour": 7, "minute": 56, "second": 25}
